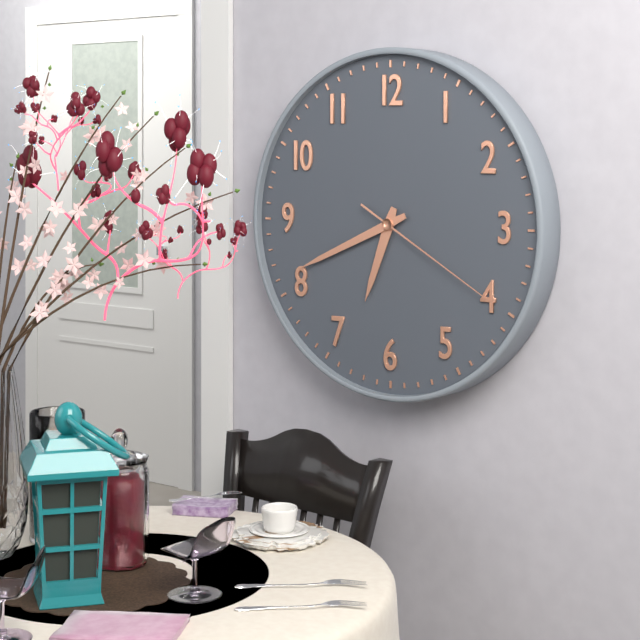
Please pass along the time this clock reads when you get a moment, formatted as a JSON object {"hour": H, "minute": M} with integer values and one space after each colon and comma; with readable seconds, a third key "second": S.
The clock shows {"hour": 6, "minute": 41, "second": 20}
